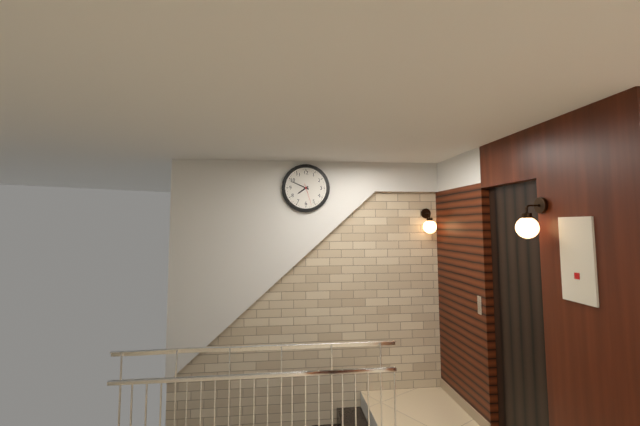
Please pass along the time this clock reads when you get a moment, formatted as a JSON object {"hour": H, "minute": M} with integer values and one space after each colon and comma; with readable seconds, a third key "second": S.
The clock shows {"hour": 7, "minute": 49}
